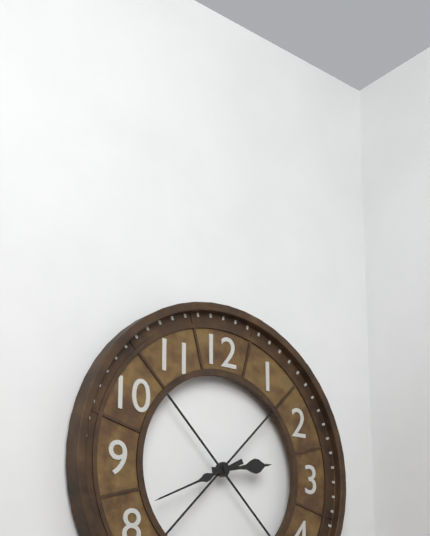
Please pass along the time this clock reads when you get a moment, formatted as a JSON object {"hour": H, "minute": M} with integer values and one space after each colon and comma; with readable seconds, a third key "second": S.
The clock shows {"hour": 2, "minute": 41}
